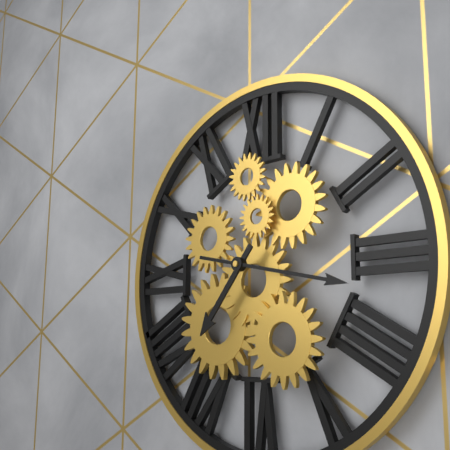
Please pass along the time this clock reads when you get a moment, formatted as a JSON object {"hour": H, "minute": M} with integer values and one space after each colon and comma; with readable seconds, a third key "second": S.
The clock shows {"hour": 7, "minute": 17}
